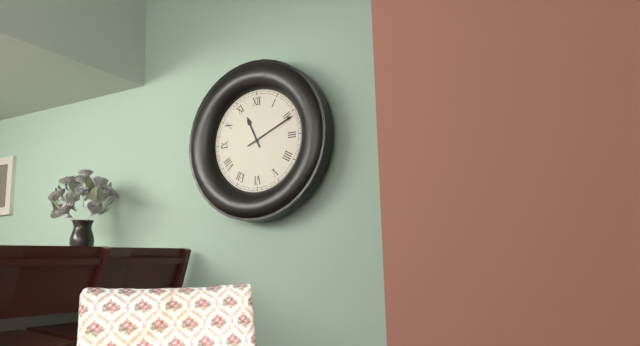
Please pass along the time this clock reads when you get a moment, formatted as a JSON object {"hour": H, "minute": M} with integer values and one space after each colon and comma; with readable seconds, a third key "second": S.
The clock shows {"hour": 11, "minute": 11}
